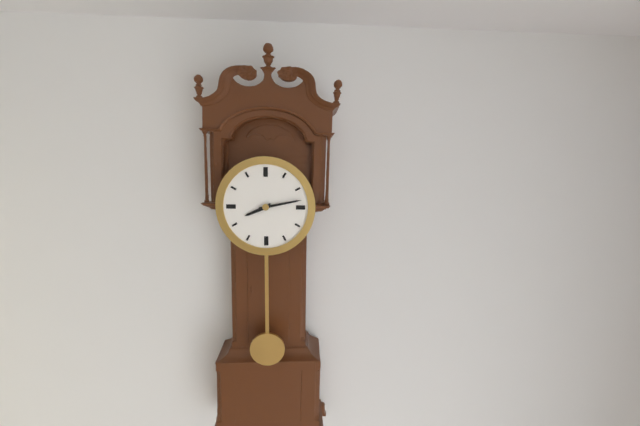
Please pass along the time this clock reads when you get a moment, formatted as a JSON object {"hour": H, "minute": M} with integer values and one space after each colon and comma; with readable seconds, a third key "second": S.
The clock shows {"hour": 8, "minute": 13}
